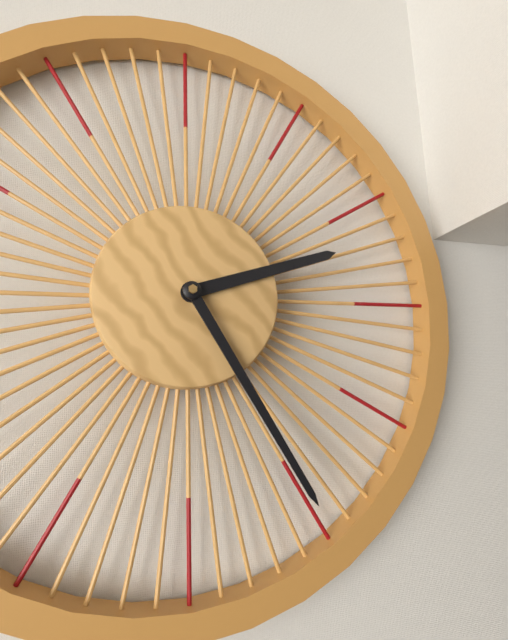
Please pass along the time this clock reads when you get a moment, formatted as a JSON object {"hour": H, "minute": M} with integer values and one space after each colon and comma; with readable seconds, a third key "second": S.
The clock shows {"hour": 2, "minute": 25}
